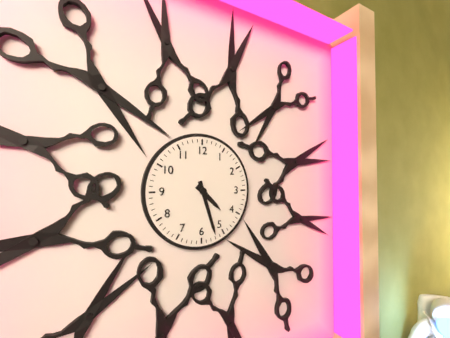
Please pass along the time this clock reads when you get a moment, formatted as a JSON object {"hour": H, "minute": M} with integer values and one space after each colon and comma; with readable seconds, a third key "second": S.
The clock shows {"hour": 4, "minute": 27}
